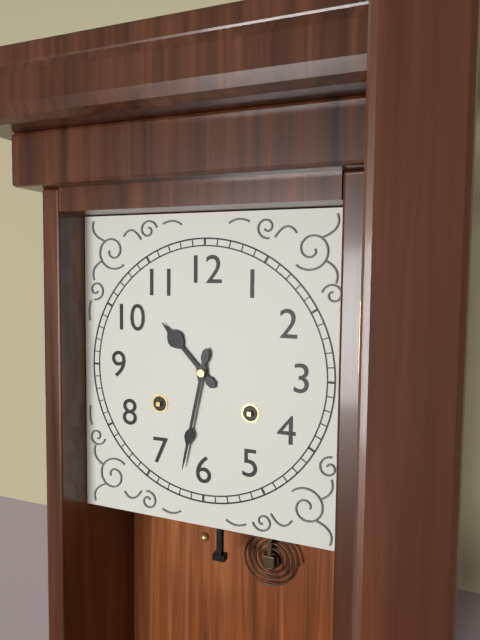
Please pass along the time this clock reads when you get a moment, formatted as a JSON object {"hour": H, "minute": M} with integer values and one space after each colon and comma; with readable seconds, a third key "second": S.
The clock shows {"hour": 10, "minute": 32}
